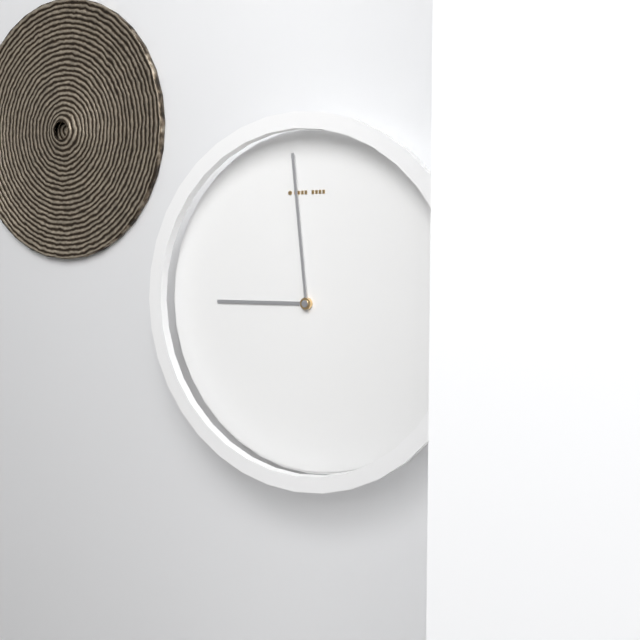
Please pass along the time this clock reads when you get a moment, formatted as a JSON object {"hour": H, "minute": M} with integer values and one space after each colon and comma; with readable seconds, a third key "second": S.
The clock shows {"hour": 8, "minute": 59}
